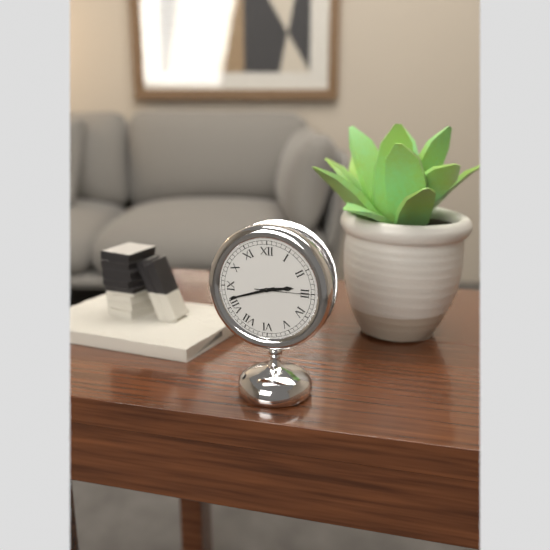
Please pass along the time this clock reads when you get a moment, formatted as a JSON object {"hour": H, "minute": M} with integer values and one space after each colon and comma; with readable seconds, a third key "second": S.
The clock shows {"hour": 2, "minute": 42, "second": 15}
